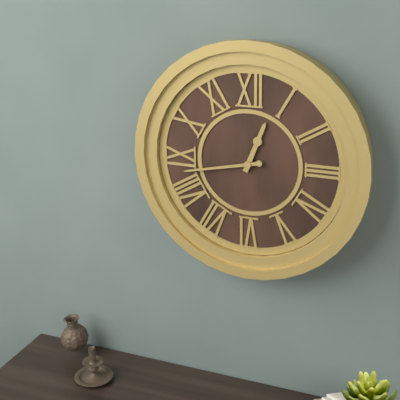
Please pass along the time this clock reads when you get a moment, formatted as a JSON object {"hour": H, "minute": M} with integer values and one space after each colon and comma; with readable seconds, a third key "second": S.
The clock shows {"hour": 12, "minute": 43}
